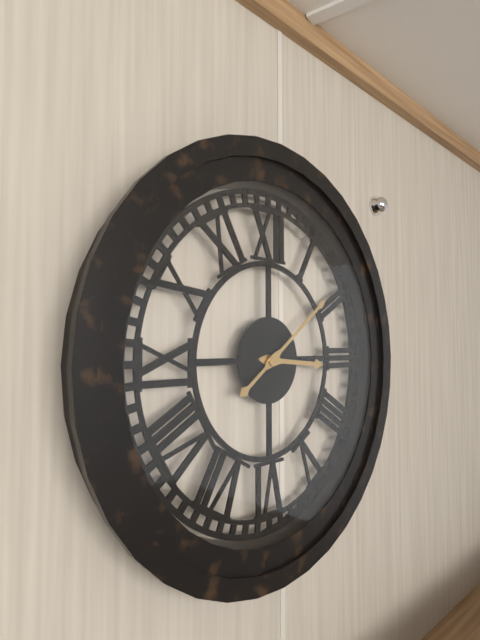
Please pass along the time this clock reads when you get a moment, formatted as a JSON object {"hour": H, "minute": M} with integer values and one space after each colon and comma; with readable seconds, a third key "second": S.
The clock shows {"hour": 3, "minute": 9}
